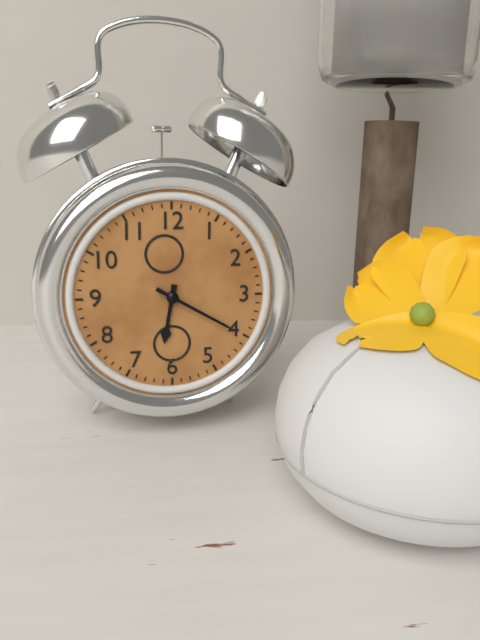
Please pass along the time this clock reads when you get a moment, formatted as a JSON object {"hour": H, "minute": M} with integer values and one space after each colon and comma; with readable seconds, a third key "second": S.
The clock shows {"hour": 6, "minute": 20}
